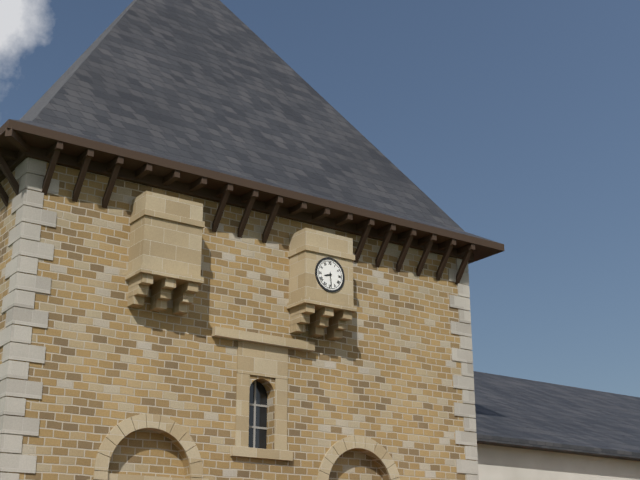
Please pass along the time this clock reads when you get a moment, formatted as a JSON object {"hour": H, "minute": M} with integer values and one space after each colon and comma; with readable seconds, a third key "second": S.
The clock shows {"hour": 8, "minute": 29}
